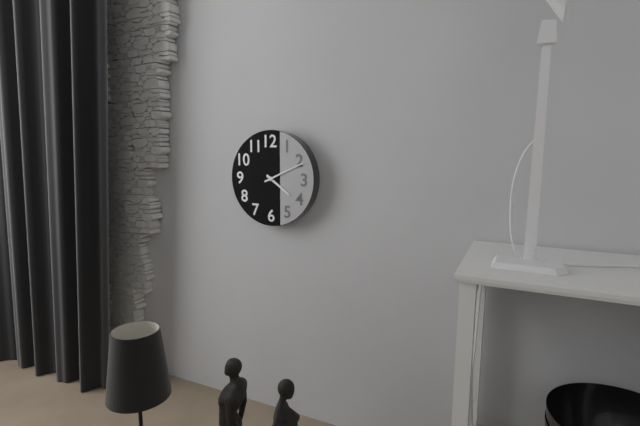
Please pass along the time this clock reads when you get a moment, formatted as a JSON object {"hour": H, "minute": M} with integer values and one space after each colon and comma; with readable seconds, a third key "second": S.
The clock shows {"hour": 4, "minute": 11}
